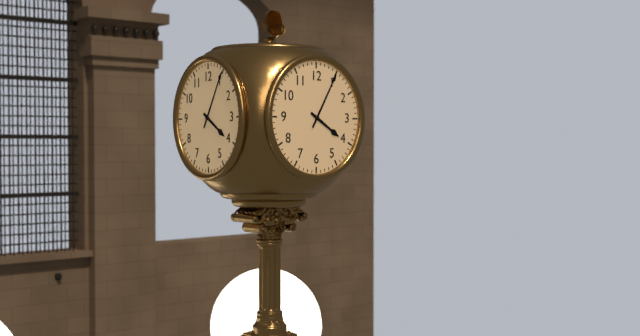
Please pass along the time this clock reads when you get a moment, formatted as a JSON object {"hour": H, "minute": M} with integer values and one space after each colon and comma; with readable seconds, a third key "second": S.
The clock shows {"hour": 4, "minute": 5}
